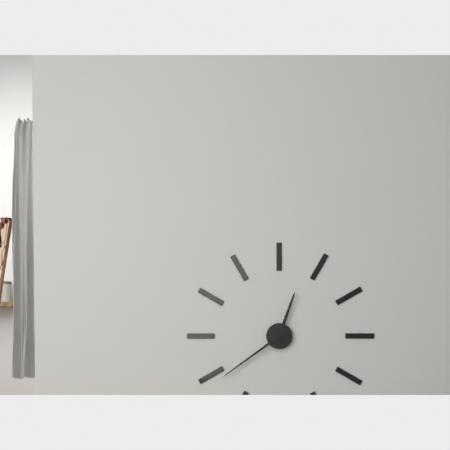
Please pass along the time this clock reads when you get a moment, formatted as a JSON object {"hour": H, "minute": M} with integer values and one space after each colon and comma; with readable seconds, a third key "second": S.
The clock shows {"hour": 12, "minute": 39}
